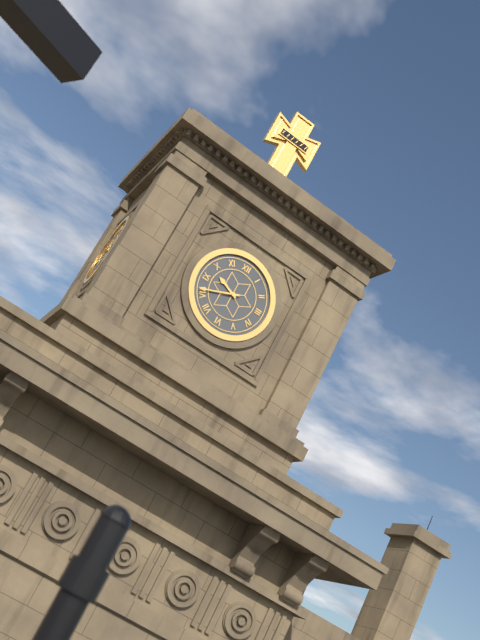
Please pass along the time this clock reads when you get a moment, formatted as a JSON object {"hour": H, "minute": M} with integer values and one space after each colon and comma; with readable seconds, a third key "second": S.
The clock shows {"hour": 9, "minute": 41}
